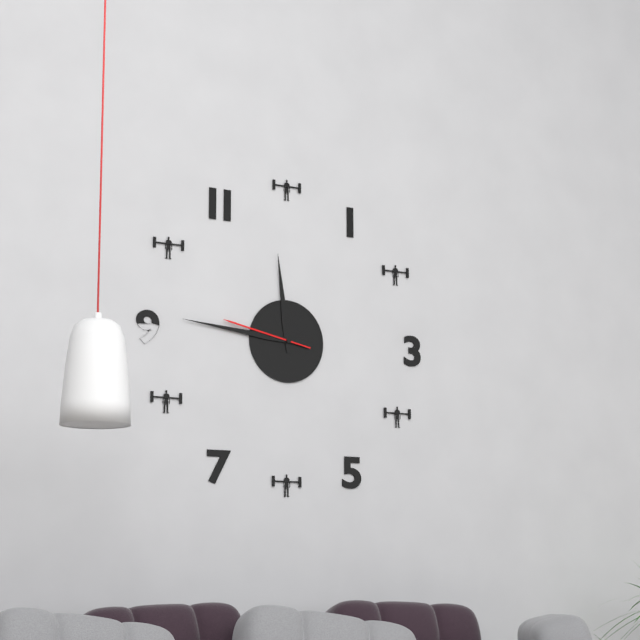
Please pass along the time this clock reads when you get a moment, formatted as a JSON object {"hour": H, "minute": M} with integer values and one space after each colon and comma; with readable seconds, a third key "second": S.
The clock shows {"hour": 11, "minute": 46, "second": 47}
